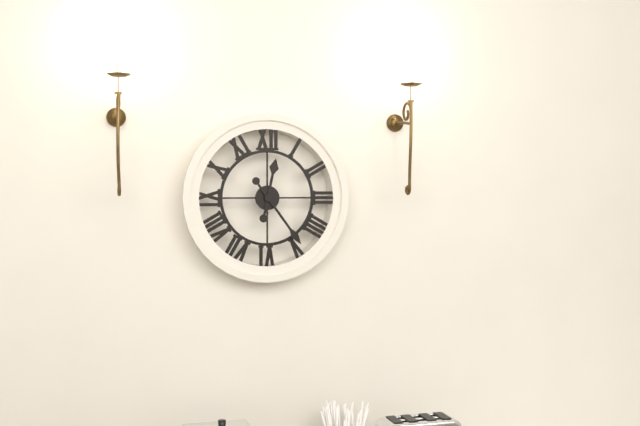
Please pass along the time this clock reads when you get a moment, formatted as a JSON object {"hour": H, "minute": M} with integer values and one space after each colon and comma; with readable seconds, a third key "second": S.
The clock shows {"hour": 12, "minute": 24}
